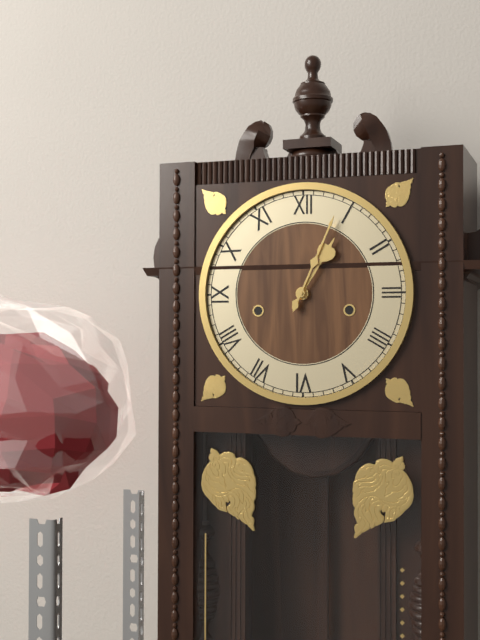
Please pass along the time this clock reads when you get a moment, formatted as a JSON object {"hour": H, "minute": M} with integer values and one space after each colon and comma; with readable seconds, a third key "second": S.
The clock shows {"hour": 1, "minute": 4}
